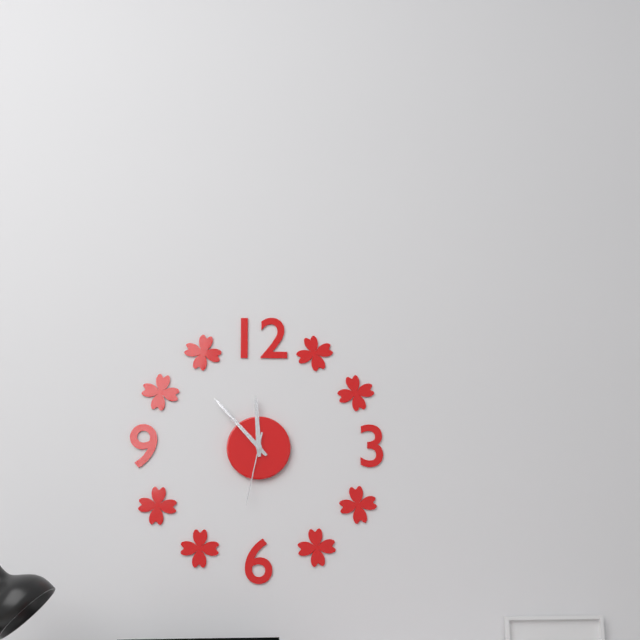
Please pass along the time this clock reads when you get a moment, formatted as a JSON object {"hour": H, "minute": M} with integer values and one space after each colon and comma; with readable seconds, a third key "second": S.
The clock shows {"hour": 11, "minute": 53, "second": 32}
